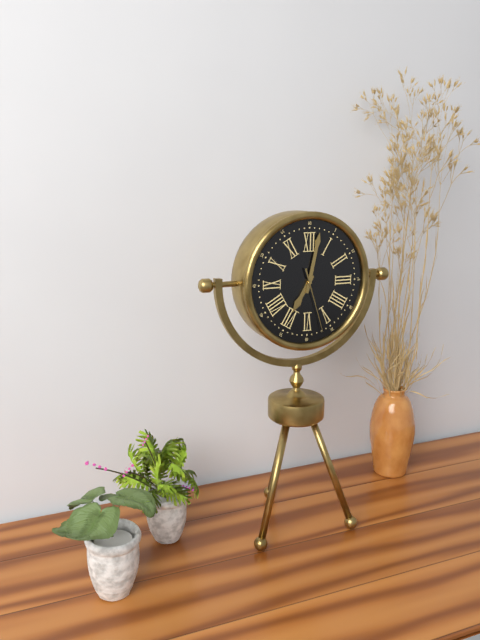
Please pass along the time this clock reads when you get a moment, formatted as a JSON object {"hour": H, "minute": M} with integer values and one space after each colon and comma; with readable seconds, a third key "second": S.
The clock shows {"hour": 7, "minute": 2, "second": 27}
